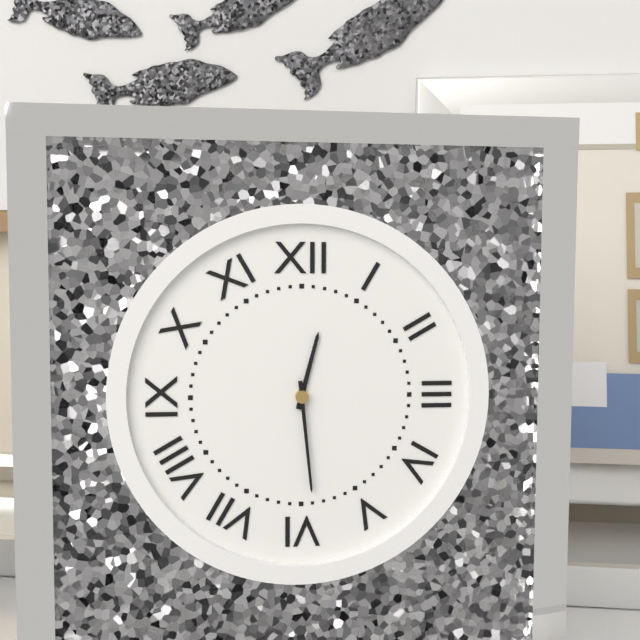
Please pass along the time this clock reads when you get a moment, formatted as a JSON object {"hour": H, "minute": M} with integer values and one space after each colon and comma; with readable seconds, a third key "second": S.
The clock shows {"hour": 12, "minute": 29}
